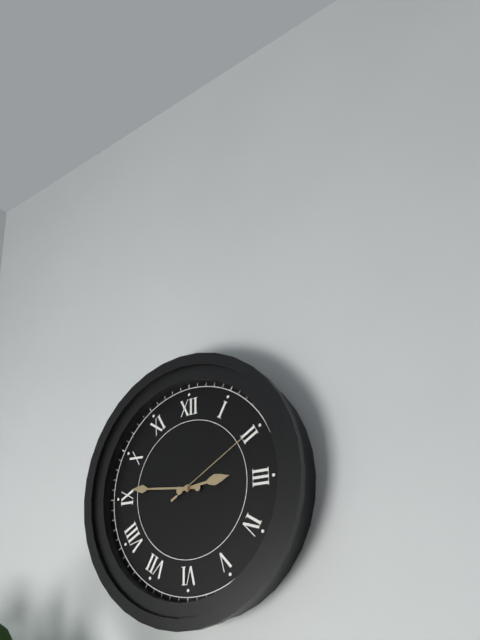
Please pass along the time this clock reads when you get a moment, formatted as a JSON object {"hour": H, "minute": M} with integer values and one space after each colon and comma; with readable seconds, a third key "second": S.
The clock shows {"hour": 2, "minute": 46, "second": 10}
